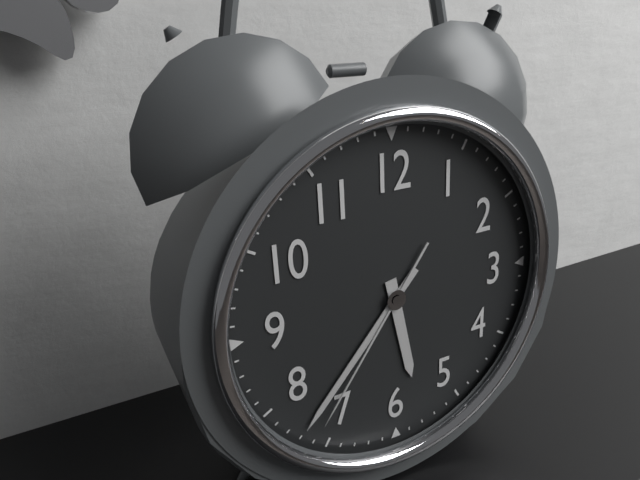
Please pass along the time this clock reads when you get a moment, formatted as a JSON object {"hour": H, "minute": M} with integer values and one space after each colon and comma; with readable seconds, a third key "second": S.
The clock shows {"hour": 5, "minute": 37, "second": 36}
